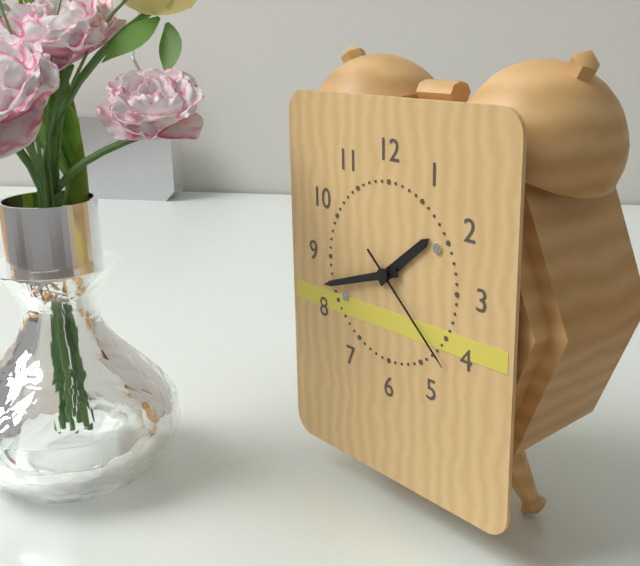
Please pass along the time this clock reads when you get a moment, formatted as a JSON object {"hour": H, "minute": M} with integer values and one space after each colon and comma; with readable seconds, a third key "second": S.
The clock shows {"hour": 1, "minute": 42, "second": 22}
